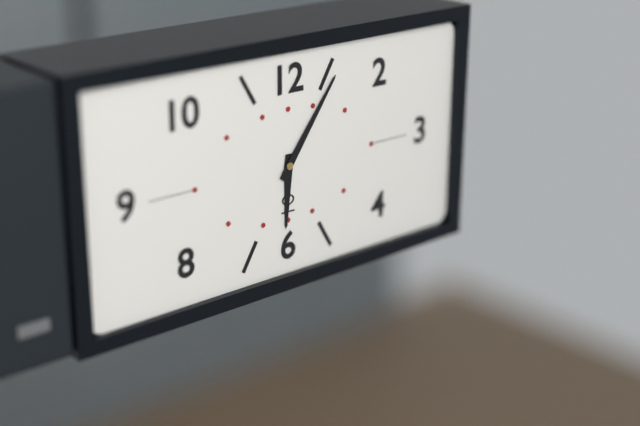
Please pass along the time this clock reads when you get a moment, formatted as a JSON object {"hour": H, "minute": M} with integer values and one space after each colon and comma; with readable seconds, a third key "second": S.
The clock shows {"hour": 6, "minute": 6}
